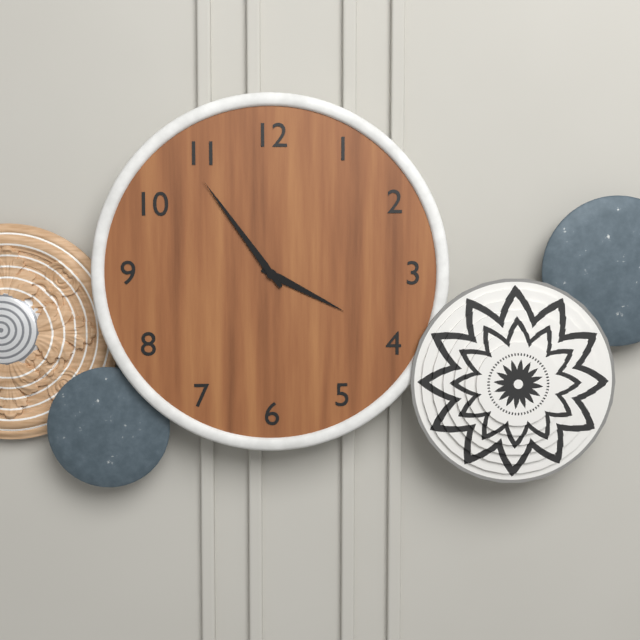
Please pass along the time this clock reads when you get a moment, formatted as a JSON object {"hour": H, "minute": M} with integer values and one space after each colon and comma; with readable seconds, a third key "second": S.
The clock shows {"hour": 3, "minute": 54}
